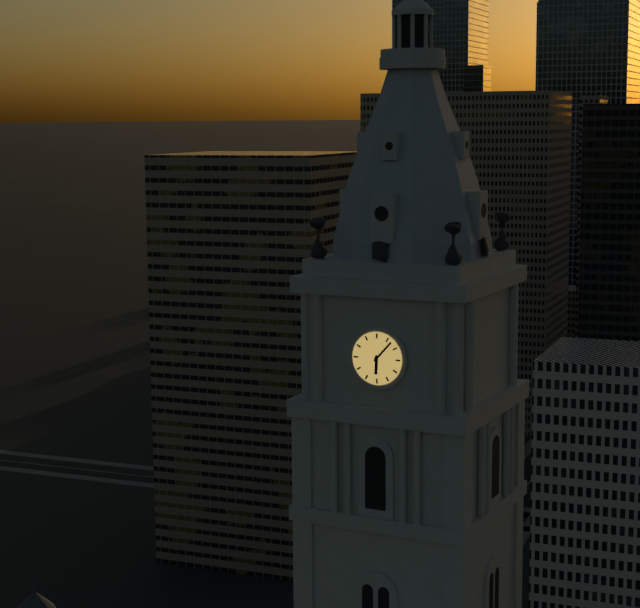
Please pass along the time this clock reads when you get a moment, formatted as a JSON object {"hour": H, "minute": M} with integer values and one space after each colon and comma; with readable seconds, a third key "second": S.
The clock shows {"hour": 6, "minute": 7}
